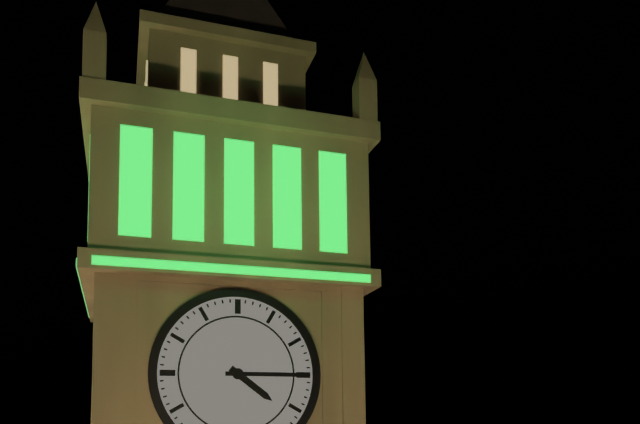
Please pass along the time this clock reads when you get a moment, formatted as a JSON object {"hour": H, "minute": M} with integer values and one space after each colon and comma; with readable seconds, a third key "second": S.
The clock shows {"hour": 4, "minute": 15}
